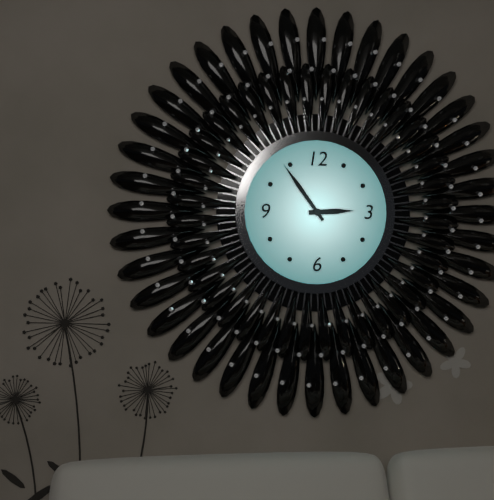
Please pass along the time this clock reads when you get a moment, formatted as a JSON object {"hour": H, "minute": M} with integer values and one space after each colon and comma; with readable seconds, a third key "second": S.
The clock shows {"hour": 2, "minute": 54}
